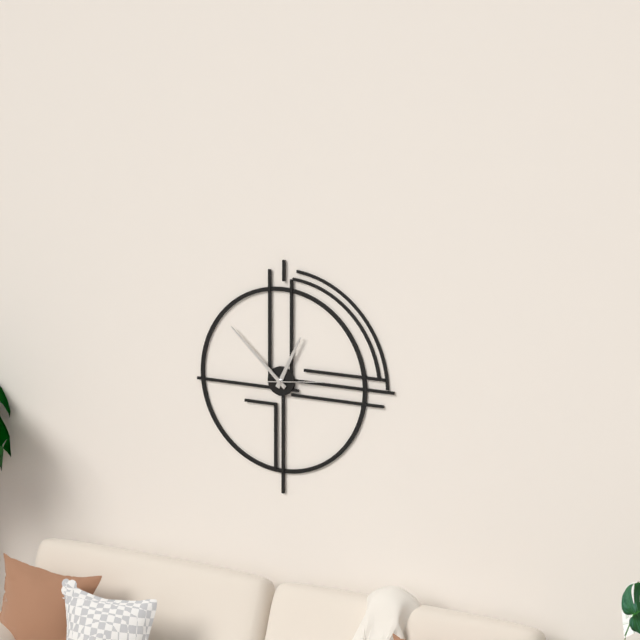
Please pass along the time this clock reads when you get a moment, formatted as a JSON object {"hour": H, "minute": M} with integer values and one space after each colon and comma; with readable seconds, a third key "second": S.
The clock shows {"hour": 12, "minute": 52, "second": 14}
